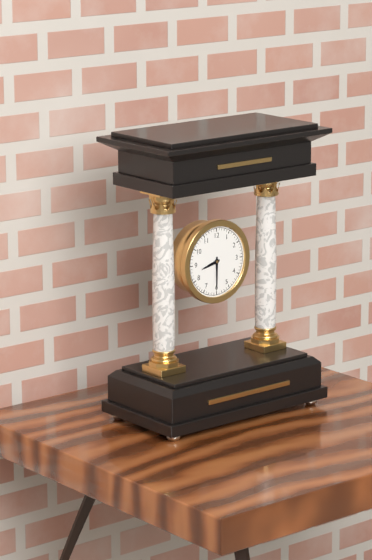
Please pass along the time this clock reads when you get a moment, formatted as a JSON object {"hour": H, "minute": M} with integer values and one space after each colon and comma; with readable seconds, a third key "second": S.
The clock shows {"hour": 8, "minute": 30}
